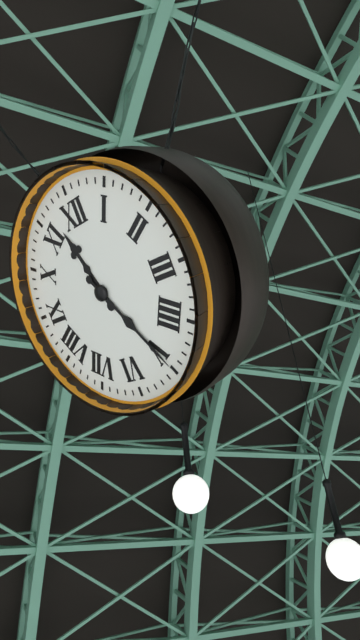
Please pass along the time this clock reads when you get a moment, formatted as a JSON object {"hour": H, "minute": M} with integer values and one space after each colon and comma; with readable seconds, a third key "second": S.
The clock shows {"hour": 11, "minute": 25}
